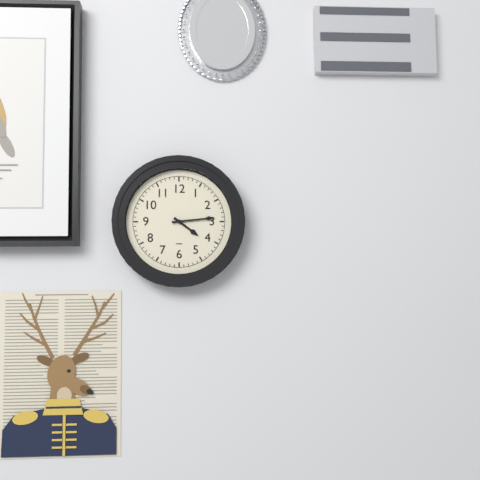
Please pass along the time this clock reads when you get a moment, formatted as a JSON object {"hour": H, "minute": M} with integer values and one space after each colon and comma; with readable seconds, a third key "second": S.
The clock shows {"hour": 4, "minute": 14}
